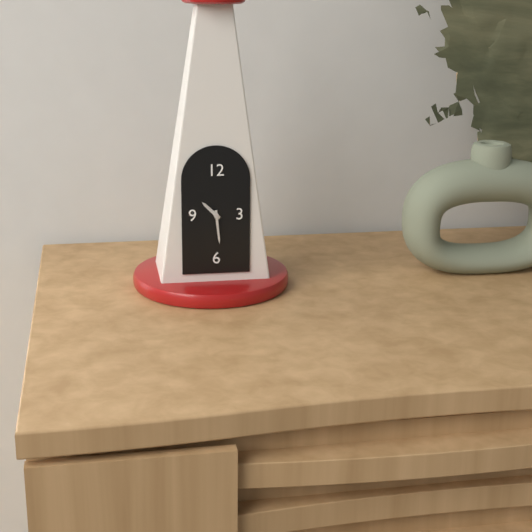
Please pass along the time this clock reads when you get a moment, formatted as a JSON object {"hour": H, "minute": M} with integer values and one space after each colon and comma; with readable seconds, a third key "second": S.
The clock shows {"hour": 10, "minute": 29}
